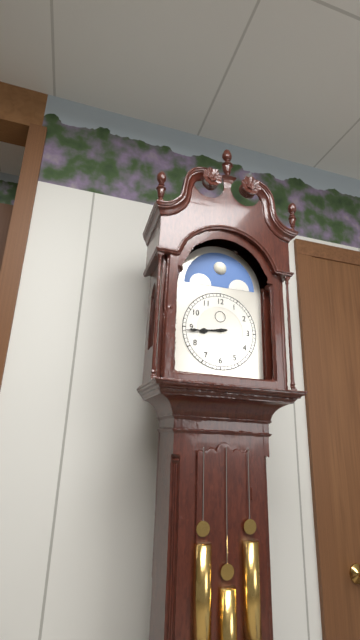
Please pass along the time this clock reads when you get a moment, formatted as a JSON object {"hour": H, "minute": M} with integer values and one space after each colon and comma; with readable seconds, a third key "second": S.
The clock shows {"hour": 8, "minute": 44}
